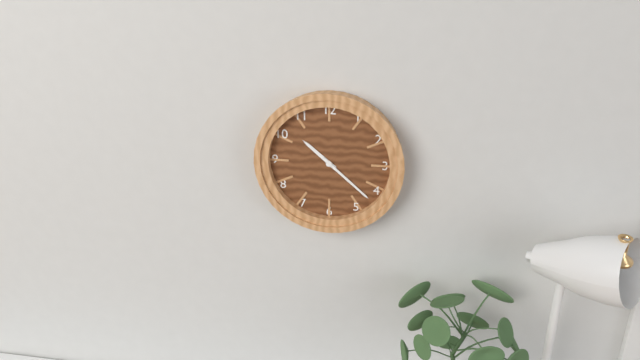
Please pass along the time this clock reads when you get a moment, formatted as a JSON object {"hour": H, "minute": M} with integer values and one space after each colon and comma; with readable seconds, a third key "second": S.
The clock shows {"hour": 10, "minute": 22}
